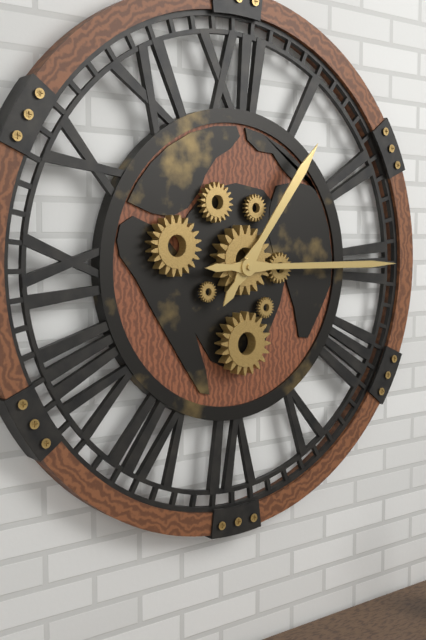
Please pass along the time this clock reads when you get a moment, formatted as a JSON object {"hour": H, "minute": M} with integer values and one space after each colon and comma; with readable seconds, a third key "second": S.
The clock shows {"hour": 1, "minute": 15}
